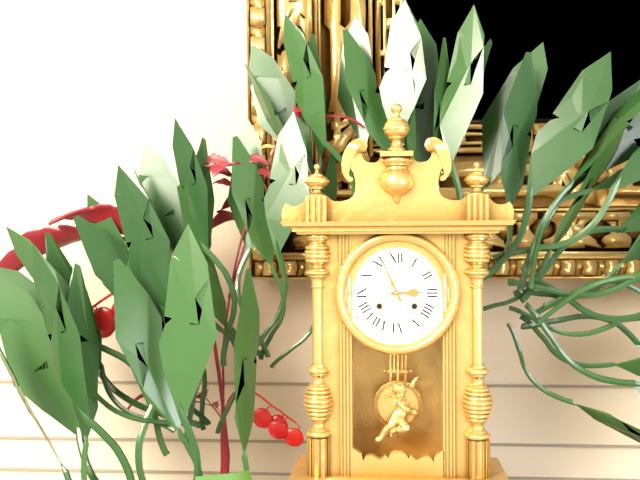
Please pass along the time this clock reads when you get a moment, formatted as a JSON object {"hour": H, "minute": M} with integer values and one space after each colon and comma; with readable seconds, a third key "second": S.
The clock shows {"hour": 2, "minute": 56}
